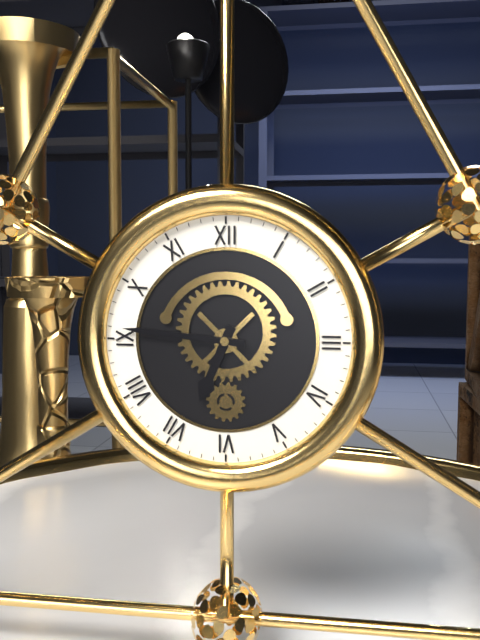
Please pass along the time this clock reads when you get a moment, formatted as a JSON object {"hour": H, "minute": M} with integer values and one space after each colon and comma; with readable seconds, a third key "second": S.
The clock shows {"hour": 6, "minute": 46}
